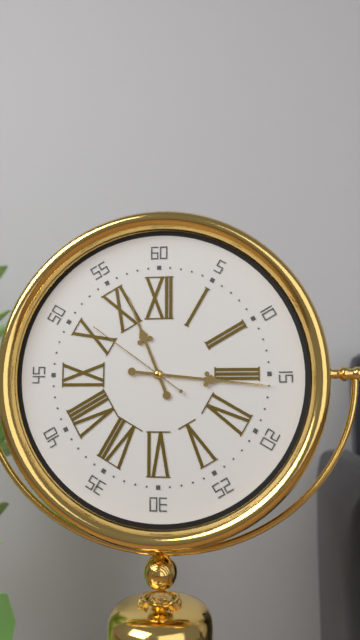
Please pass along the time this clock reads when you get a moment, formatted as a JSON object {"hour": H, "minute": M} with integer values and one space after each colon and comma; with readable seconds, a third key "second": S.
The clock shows {"hour": 11, "minute": 16, "second": 51}
